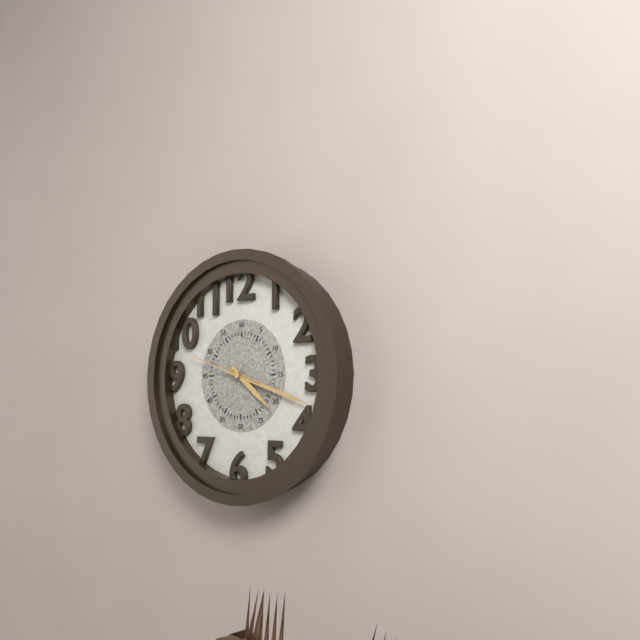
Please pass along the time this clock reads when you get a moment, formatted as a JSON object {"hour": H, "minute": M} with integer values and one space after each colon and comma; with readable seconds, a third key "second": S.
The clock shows {"hour": 4, "minute": 18, "second": 48}
